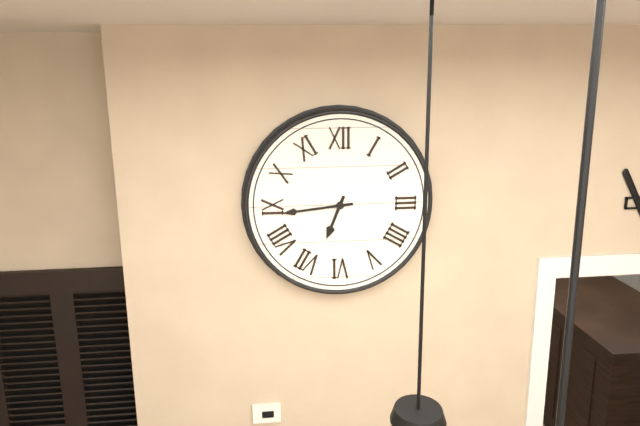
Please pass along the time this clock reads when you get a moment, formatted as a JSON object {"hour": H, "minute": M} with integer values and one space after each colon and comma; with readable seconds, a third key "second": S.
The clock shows {"hour": 6, "minute": 44}
